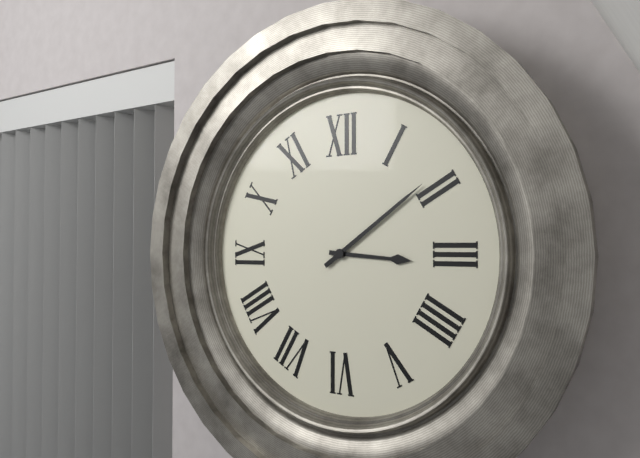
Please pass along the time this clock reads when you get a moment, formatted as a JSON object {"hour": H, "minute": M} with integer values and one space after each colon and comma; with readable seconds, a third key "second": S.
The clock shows {"hour": 3, "minute": 9}
